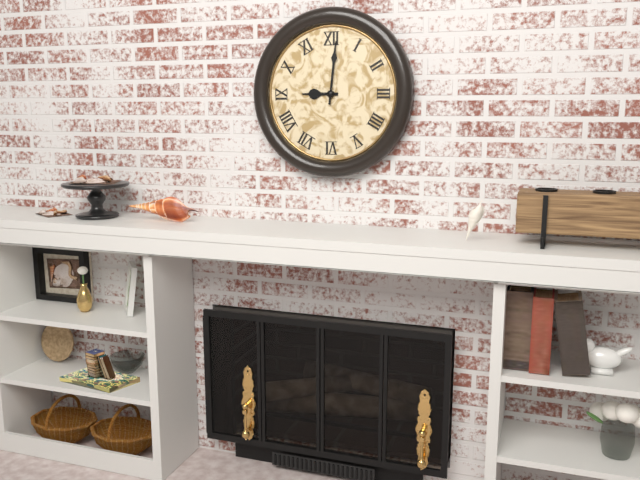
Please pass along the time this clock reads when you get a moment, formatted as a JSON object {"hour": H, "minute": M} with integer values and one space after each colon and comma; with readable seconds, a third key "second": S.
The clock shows {"hour": 9, "minute": 1}
